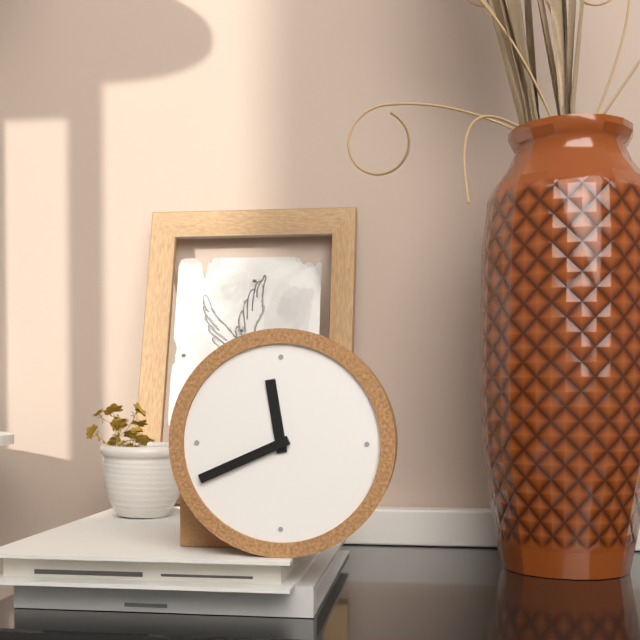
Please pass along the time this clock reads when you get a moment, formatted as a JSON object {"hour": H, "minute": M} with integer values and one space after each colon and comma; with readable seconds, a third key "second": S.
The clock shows {"hour": 11, "minute": 41}
